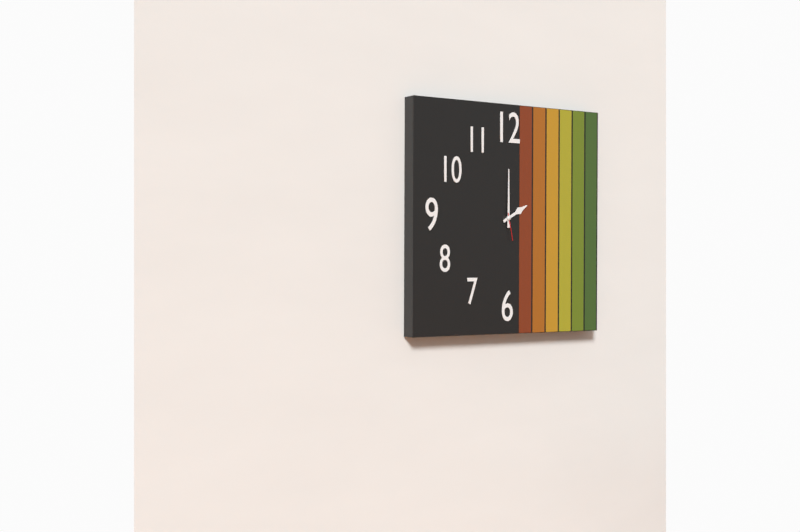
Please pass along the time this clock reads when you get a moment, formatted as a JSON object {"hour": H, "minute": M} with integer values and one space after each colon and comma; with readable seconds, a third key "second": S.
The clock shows {"hour": 2, "minute": 0}
